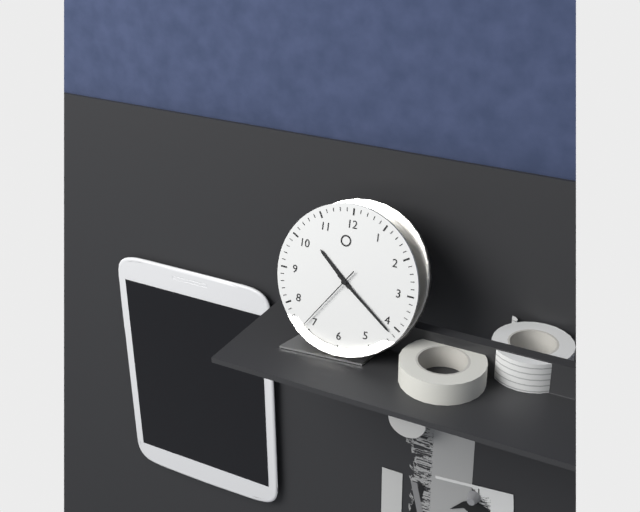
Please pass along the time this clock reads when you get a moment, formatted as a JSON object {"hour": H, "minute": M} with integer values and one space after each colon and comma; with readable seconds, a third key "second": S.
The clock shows {"hour": 10, "minute": 21, "second": 36}
